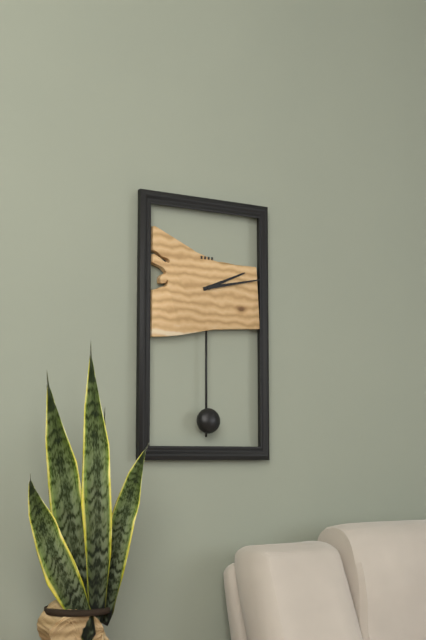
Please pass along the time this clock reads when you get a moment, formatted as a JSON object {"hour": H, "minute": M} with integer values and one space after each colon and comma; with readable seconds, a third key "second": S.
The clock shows {"hour": 2, "minute": 13}
